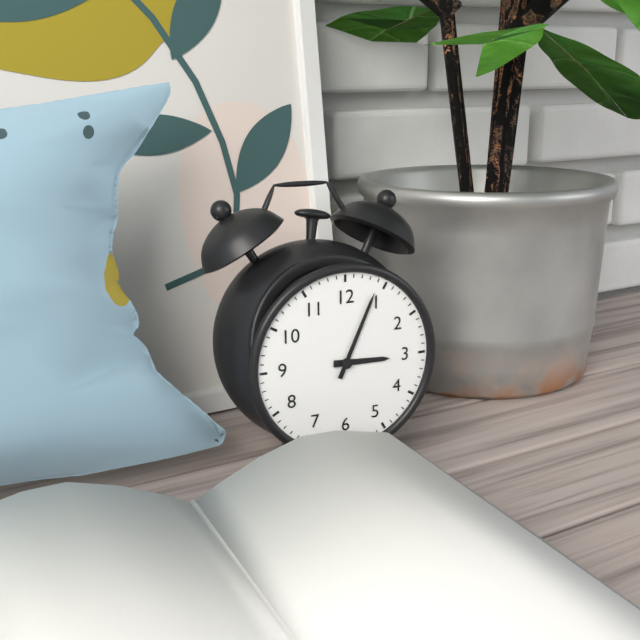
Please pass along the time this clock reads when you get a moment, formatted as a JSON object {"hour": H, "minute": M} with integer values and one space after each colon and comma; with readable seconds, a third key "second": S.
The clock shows {"hour": 3, "minute": 4}
